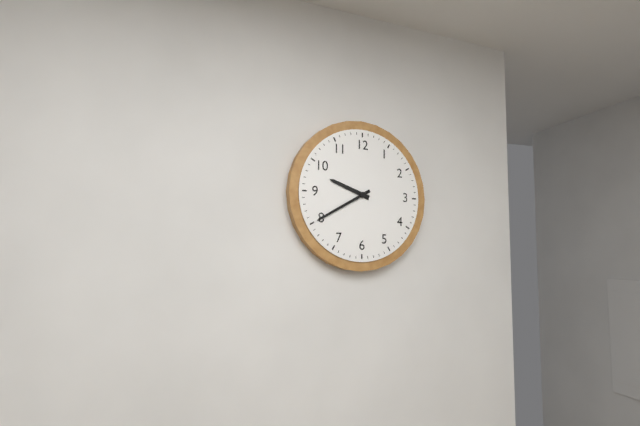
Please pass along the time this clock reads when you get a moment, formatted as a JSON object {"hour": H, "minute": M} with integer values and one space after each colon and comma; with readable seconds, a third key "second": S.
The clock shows {"hour": 9, "minute": 40}
